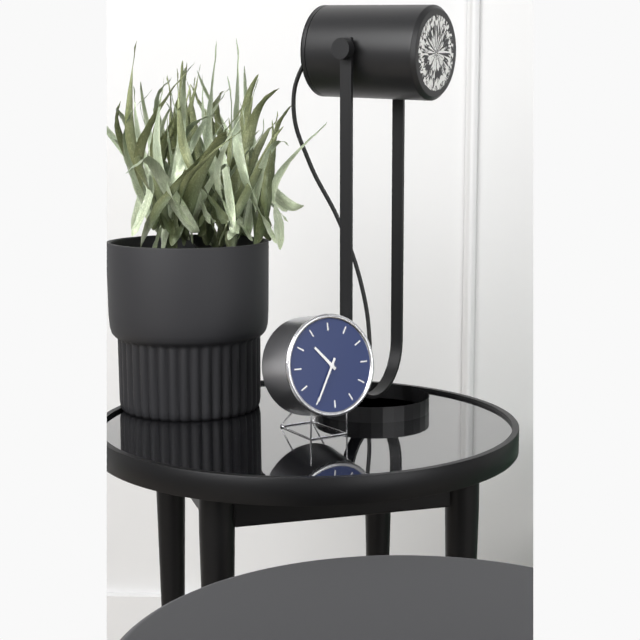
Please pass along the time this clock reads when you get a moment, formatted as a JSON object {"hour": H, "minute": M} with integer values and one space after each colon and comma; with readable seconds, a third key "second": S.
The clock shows {"hour": 10, "minute": 35}
